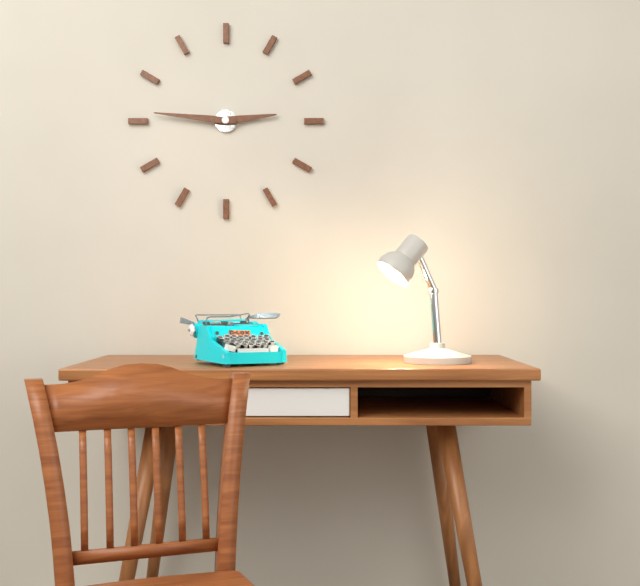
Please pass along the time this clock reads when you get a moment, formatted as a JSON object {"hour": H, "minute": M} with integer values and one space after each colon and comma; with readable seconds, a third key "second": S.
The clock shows {"hour": 2, "minute": 46}
